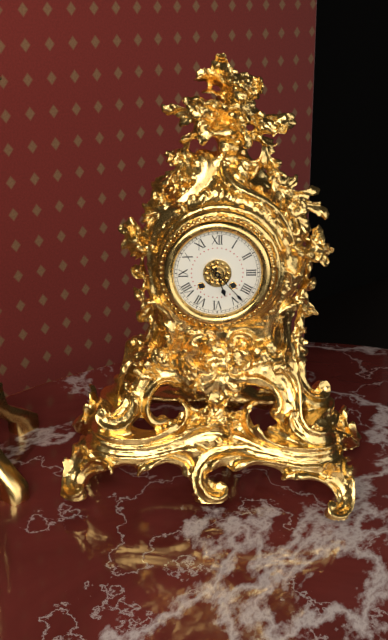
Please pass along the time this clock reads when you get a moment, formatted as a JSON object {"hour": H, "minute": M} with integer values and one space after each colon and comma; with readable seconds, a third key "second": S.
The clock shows {"hour": 5, "minute": 23}
